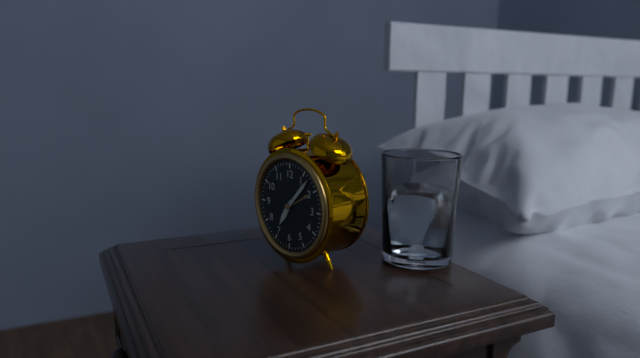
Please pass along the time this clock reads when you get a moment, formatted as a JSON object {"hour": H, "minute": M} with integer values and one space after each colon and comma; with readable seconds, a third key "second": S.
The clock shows {"hour": 7, "minute": 7}
